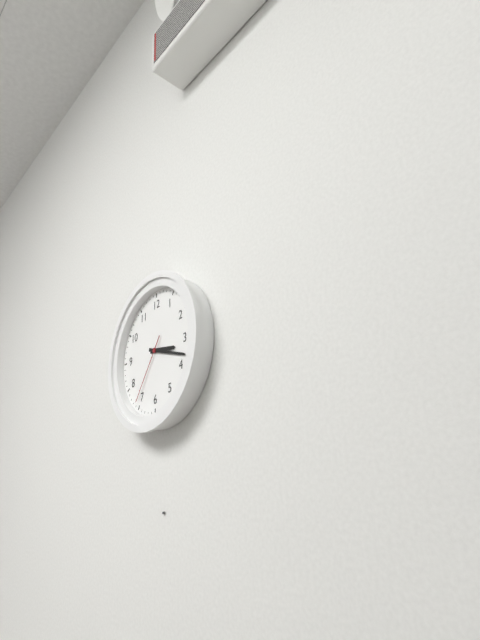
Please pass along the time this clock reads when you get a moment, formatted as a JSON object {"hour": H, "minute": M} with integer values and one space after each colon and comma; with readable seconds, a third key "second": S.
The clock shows {"hour": 3, "minute": 18, "second": 36}
